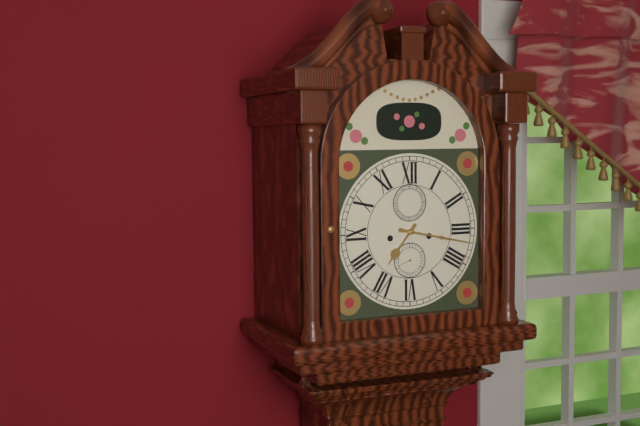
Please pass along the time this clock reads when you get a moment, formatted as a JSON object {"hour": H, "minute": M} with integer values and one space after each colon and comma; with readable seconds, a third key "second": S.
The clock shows {"hour": 7, "minute": 17}
